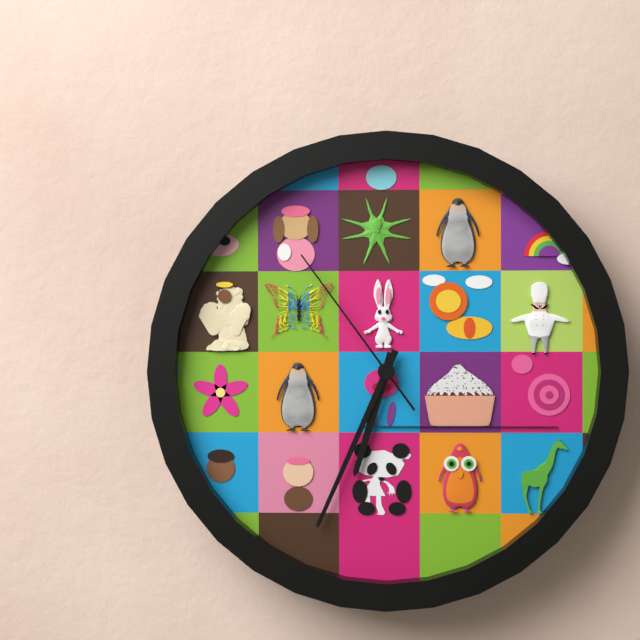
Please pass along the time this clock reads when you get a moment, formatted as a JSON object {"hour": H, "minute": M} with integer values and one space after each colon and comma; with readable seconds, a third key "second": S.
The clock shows {"hour": 6, "minute": 34, "second": 54}
